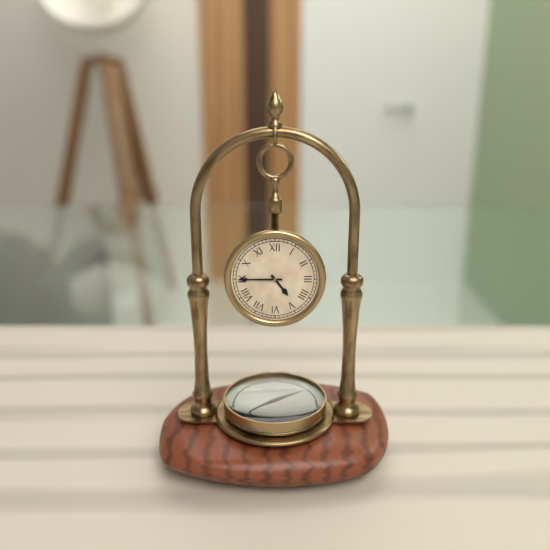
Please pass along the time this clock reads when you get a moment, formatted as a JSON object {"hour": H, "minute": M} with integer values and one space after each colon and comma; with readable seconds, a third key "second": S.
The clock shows {"hour": 4, "minute": 45}
